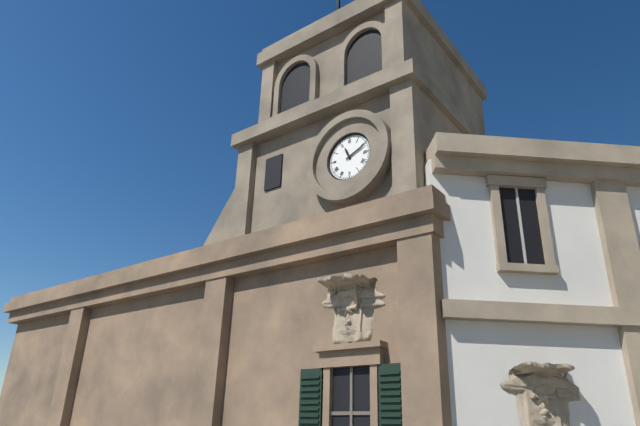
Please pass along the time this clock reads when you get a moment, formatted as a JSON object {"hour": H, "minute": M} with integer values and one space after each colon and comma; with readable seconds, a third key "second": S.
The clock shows {"hour": 11, "minute": 11}
